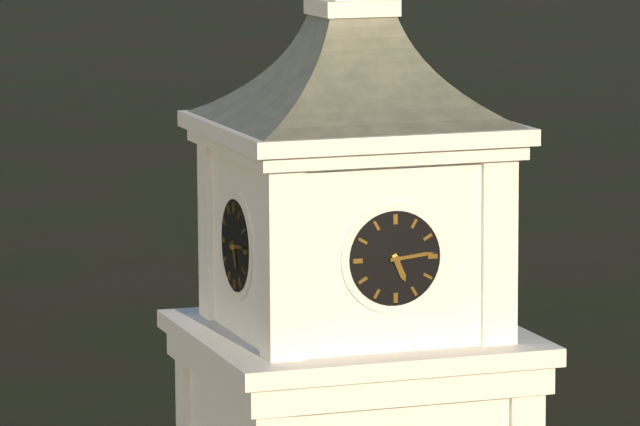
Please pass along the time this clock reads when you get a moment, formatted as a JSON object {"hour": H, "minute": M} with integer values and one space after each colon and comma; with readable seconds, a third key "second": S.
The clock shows {"hour": 5, "minute": 14}
